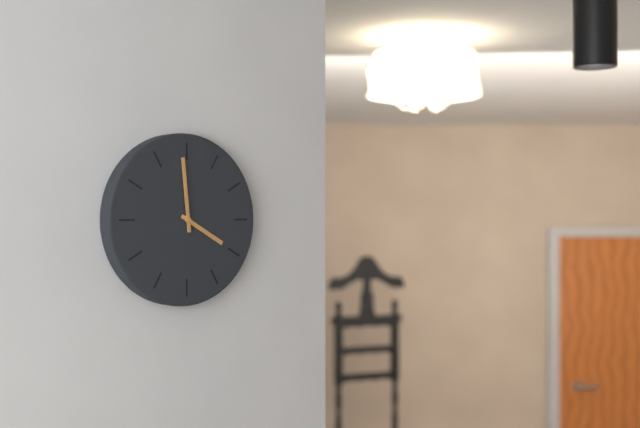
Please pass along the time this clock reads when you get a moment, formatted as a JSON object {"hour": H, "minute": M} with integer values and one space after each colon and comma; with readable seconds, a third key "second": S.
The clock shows {"hour": 3, "minute": 59}
